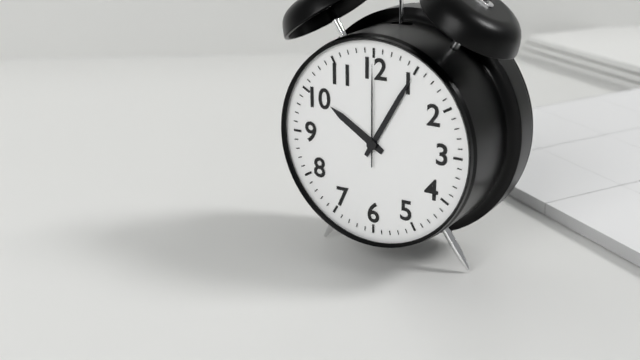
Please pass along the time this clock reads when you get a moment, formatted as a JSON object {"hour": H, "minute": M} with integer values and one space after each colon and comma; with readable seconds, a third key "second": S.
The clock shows {"hour": 10, "minute": 5, "second": 0}
